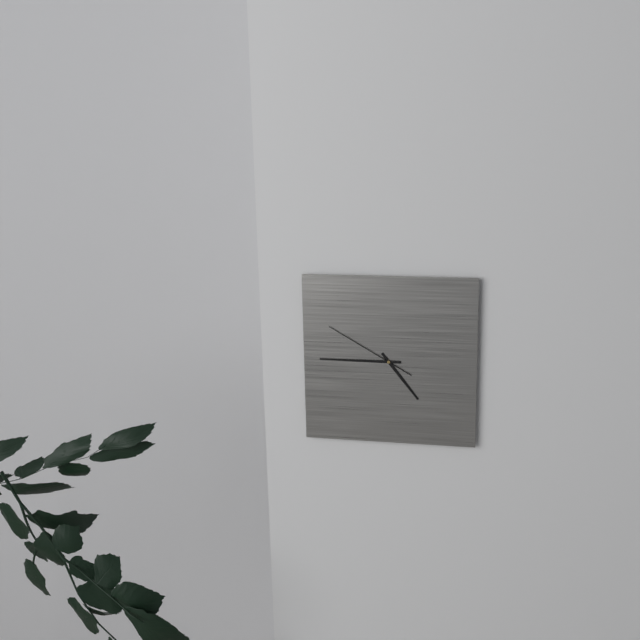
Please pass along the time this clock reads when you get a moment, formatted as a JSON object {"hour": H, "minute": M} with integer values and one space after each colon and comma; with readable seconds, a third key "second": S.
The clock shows {"hour": 4, "minute": 45, "second": 50}
